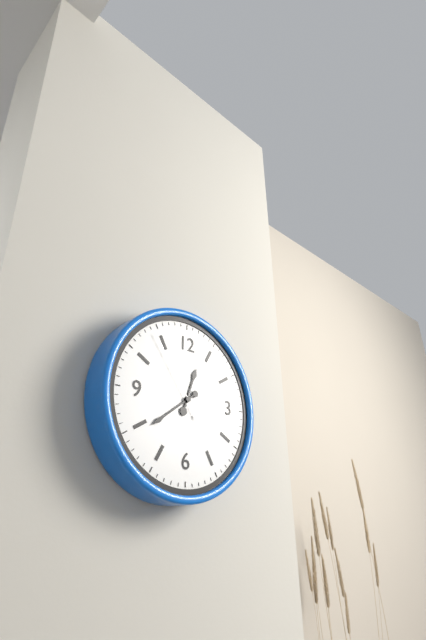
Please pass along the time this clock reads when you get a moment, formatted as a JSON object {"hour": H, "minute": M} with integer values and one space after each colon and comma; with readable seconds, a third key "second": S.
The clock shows {"hour": 12, "minute": 39, "second": 54}
